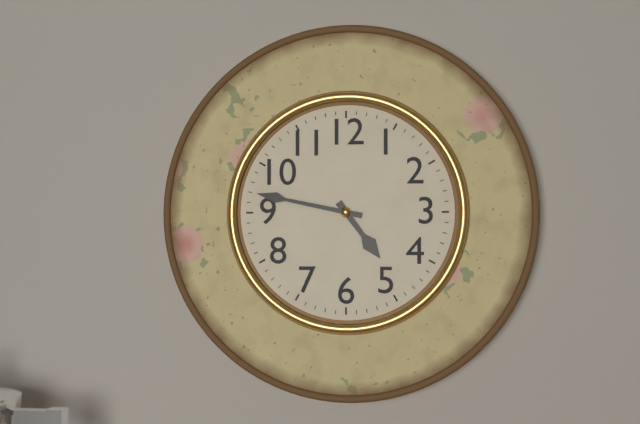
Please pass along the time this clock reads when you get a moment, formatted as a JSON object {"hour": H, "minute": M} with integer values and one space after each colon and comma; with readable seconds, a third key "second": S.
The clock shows {"hour": 4, "minute": 47}
